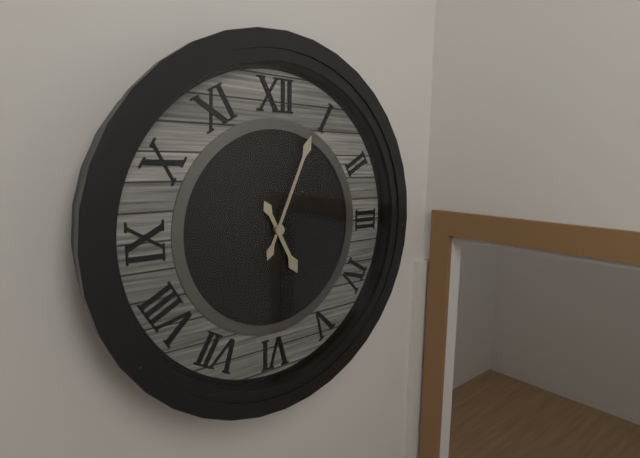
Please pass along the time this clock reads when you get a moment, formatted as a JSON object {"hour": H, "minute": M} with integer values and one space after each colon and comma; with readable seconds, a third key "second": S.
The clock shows {"hour": 5, "minute": 4}
